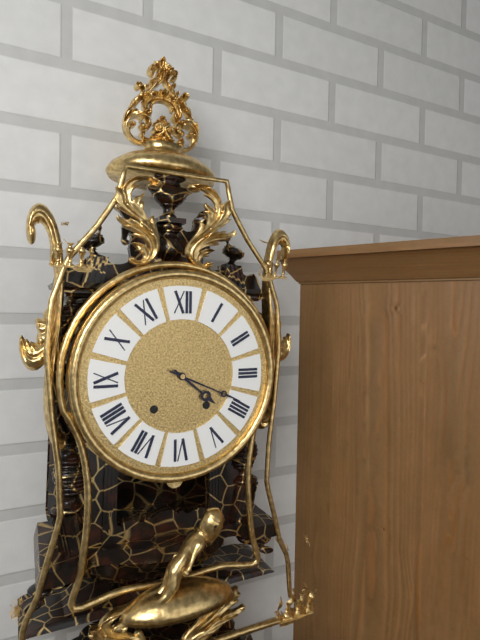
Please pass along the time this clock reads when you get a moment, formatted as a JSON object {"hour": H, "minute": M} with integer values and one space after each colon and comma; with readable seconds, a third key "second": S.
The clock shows {"hour": 4, "minute": 19}
